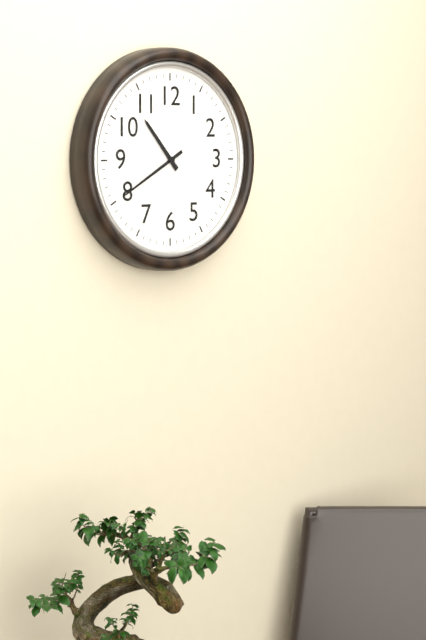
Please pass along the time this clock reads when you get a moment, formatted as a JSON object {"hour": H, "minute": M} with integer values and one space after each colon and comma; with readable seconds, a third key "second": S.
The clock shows {"hour": 10, "minute": 40}
